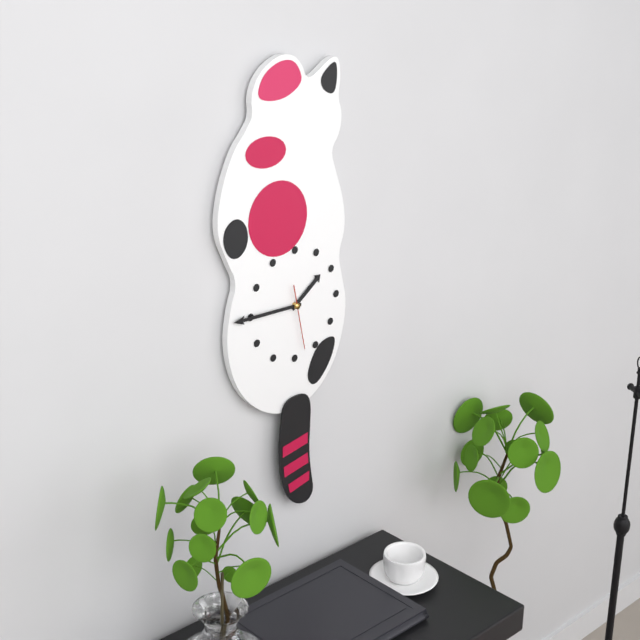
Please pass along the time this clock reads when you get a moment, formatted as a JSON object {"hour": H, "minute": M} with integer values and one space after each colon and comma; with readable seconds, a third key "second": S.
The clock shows {"hour": 1, "minute": 45, "second": 28}
